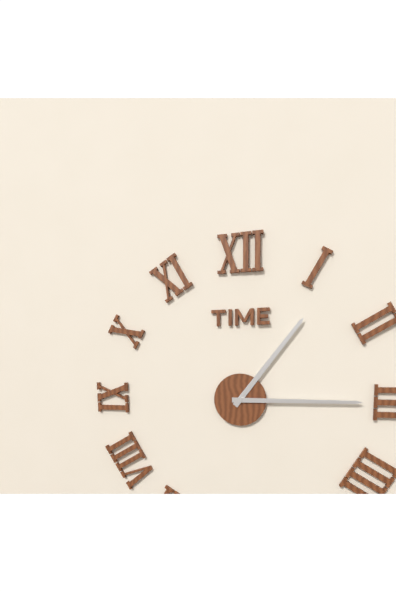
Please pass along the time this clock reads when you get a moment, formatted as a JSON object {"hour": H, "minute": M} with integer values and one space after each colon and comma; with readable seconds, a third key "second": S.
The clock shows {"hour": 1, "minute": 15}
